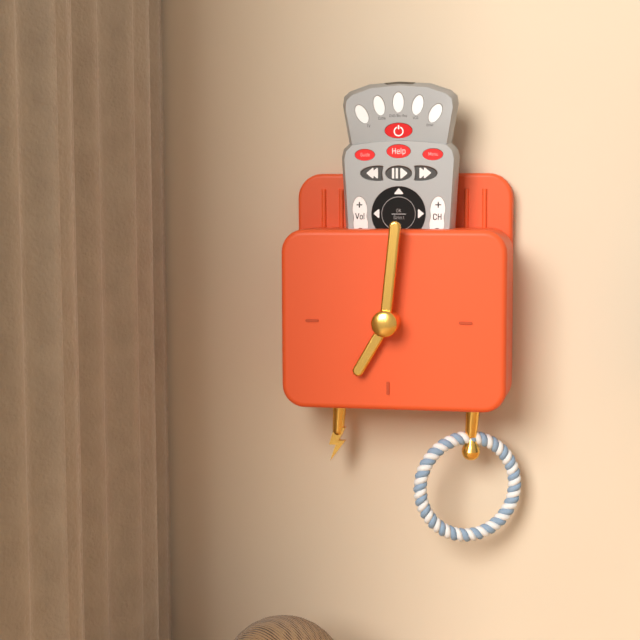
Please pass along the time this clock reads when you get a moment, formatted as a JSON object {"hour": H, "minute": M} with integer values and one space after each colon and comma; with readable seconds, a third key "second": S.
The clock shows {"hour": 7, "minute": 1}
